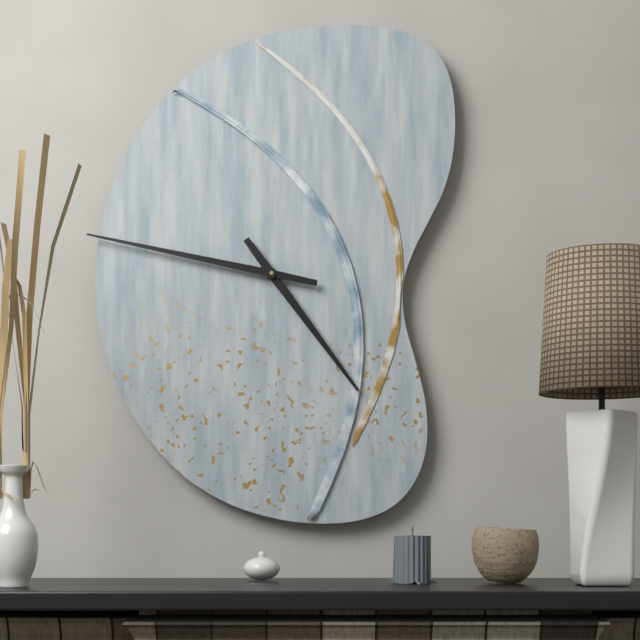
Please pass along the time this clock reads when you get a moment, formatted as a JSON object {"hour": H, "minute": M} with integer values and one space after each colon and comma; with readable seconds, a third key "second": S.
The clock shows {"hour": 4, "minute": 47}
